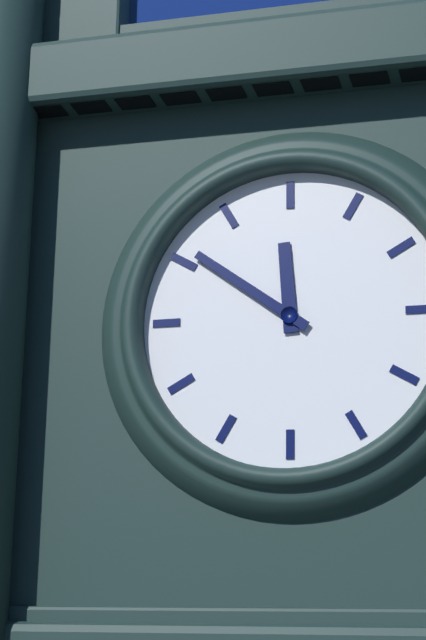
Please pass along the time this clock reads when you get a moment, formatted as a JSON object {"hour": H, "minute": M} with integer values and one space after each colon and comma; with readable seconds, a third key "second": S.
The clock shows {"hour": 11, "minute": 51}
